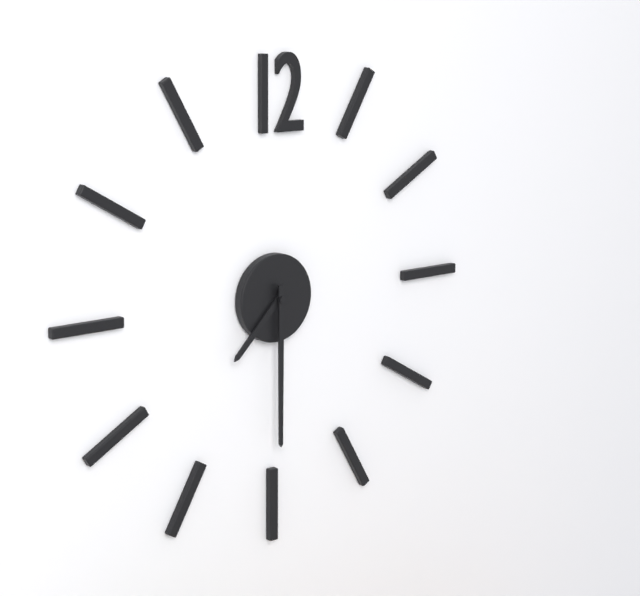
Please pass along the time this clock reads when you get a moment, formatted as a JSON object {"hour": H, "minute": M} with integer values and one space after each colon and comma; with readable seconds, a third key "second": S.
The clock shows {"hour": 7, "minute": 30}
